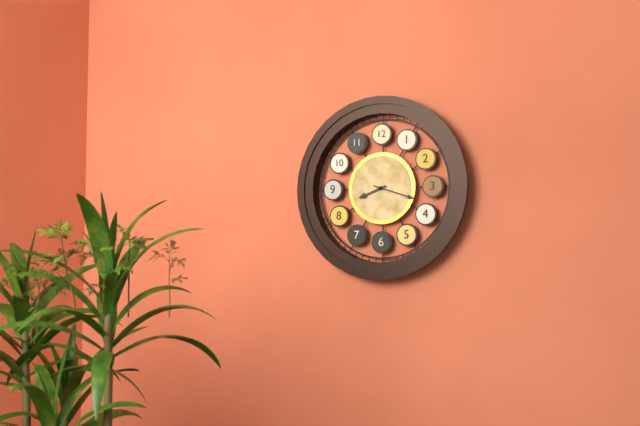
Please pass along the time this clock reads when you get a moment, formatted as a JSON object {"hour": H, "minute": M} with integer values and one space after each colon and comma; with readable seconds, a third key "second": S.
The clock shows {"hour": 8, "minute": 18}
